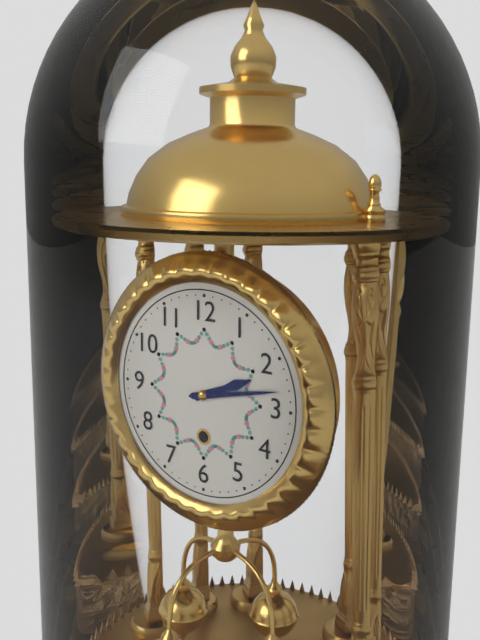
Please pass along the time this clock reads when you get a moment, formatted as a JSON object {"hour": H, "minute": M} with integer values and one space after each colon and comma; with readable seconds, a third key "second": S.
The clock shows {"hour": 2, "minute": 13}
